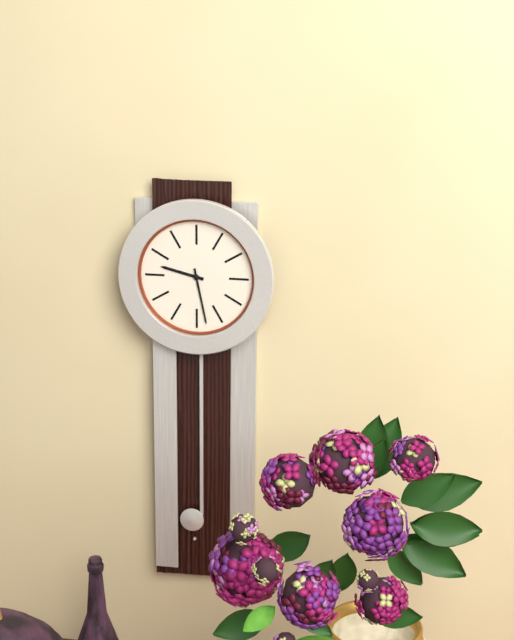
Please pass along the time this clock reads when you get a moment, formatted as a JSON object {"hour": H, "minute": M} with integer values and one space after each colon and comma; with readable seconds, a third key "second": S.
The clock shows {"hour": 9, "minute": 28}
